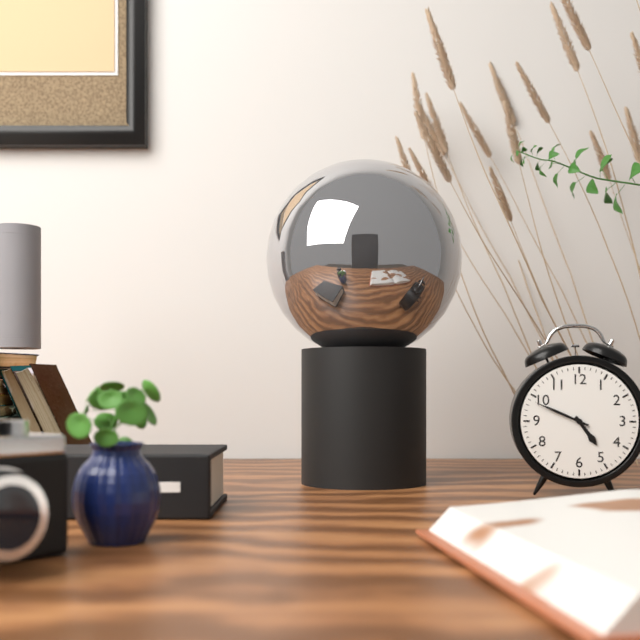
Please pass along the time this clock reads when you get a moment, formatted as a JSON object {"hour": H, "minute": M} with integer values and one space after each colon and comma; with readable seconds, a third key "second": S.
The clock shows {"hour": 4, "minute": 49}
